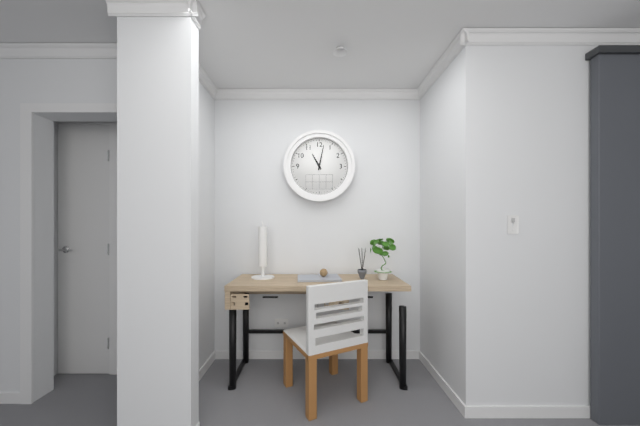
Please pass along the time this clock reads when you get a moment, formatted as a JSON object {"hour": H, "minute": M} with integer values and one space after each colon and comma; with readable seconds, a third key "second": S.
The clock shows {"hour": 11, "minute": 2}
